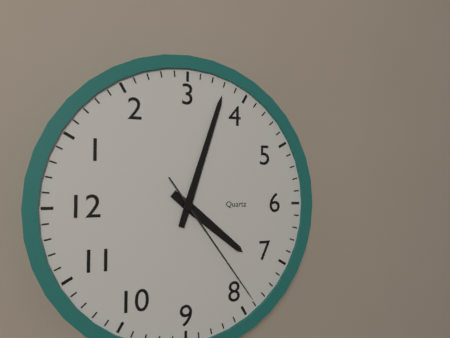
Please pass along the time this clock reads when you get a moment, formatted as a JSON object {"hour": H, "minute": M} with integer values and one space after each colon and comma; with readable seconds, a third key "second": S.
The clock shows {"hour": 7, "minute": 18, "second": 39}
